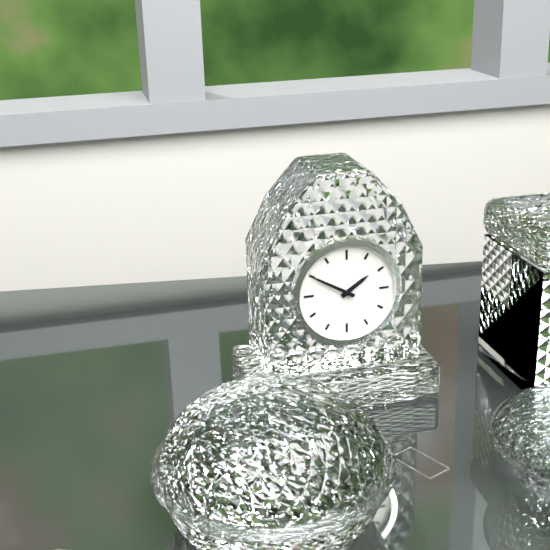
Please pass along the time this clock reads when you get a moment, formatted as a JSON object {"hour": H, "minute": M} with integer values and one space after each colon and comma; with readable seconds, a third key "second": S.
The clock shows {"hour": 1, "minute": 50}
